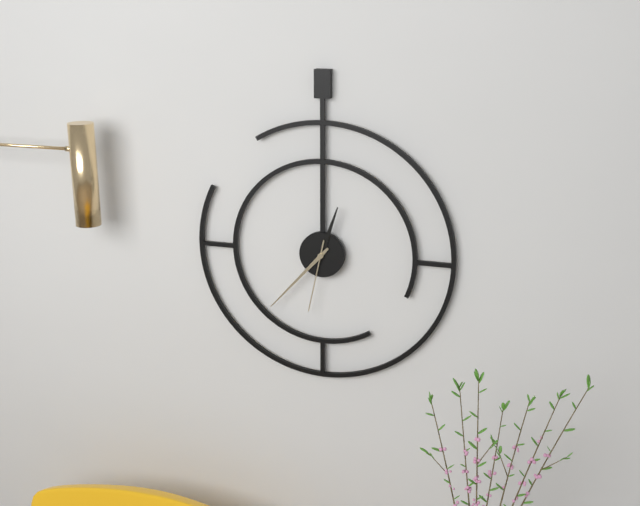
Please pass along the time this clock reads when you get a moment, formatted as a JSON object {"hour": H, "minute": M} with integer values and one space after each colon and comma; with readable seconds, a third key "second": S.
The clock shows {"hour": 12, "minute": 37, "second": 32}
